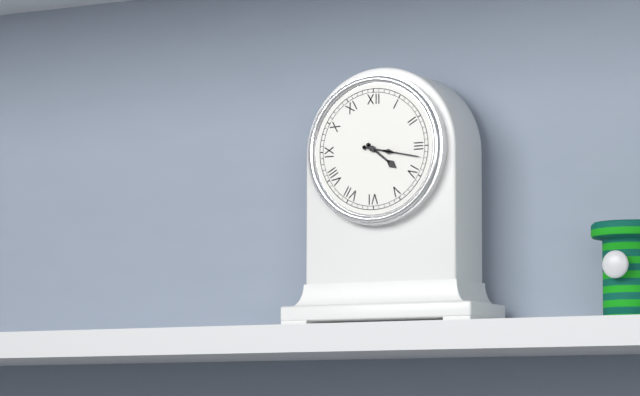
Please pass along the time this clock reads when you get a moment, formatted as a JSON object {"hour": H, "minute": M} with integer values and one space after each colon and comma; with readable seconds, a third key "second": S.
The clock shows {"hour": 4, "minute": 17}
